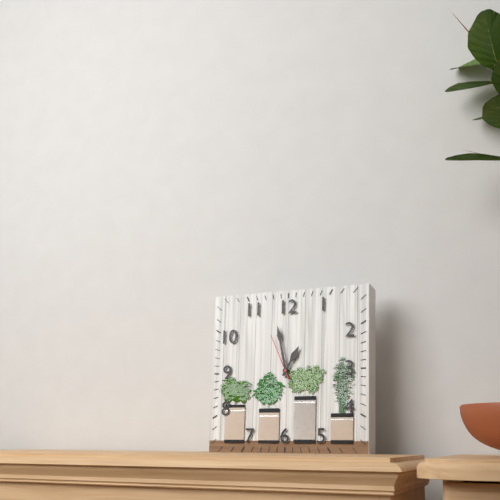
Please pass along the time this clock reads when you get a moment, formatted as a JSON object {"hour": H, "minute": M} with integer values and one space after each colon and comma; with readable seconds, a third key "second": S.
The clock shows {"hour": 12, "minute": 58}
